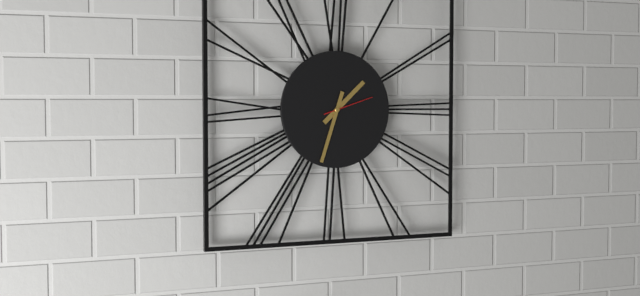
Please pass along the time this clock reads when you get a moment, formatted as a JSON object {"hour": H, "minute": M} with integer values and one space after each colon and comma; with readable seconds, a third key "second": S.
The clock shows {"hour": 1, "minute": 33}
